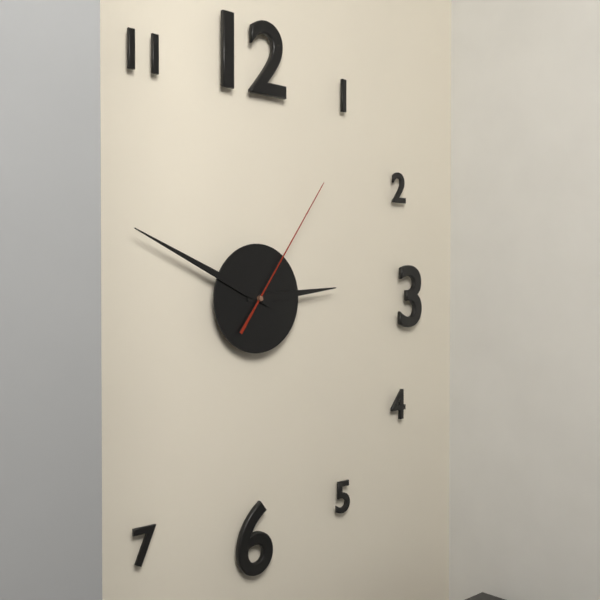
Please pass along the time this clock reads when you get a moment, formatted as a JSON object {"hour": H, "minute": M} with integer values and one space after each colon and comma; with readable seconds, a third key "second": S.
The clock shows {"hour": 2, "minute": 49, "second": 6}
